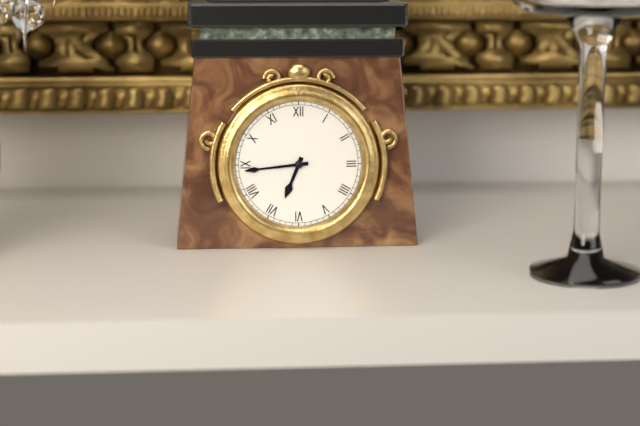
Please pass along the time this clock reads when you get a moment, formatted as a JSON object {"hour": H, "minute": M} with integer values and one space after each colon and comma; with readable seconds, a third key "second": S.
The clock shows {"hour": 6, "minute": 44}
